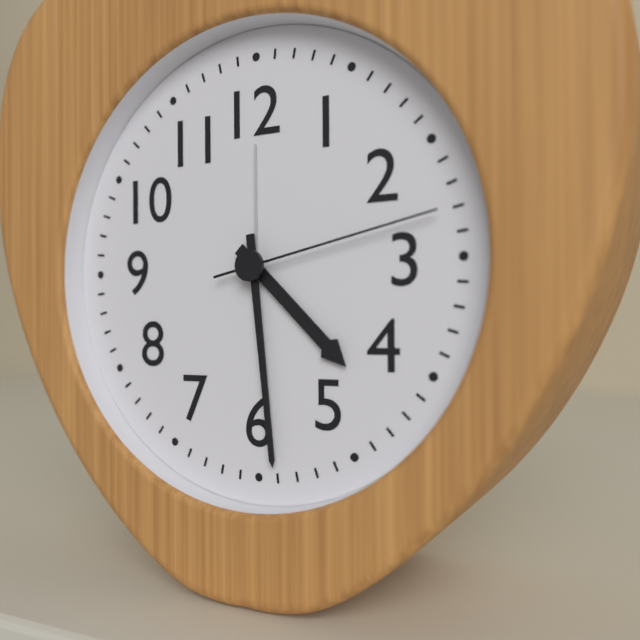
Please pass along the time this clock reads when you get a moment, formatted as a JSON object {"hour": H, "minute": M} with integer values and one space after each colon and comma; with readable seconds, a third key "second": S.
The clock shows {"hour": 4, "minute": 29, "second": 13}
